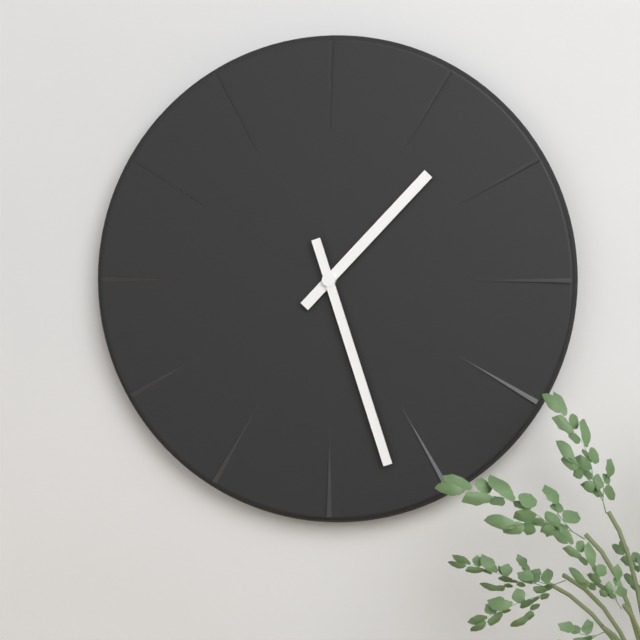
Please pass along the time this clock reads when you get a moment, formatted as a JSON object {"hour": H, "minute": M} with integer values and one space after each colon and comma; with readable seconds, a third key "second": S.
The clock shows {"hour": 1, "minute": 27}
